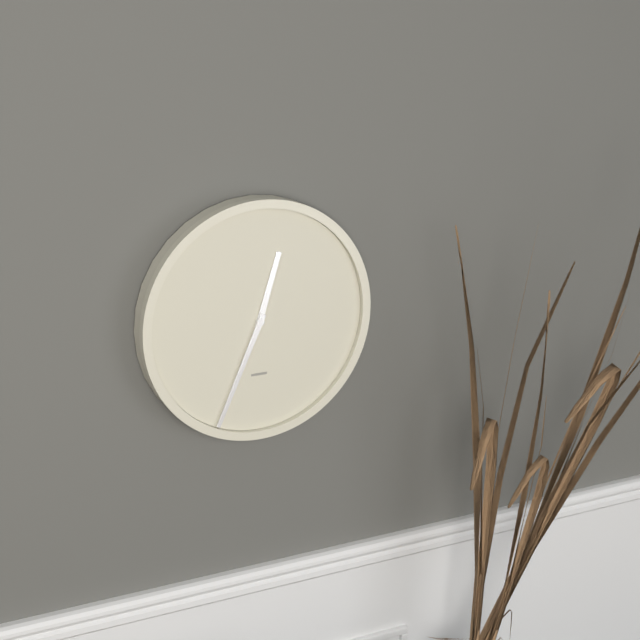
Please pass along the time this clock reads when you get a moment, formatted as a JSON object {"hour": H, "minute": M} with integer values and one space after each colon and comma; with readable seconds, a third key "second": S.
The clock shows {"hour": 12, "minute": 34}
